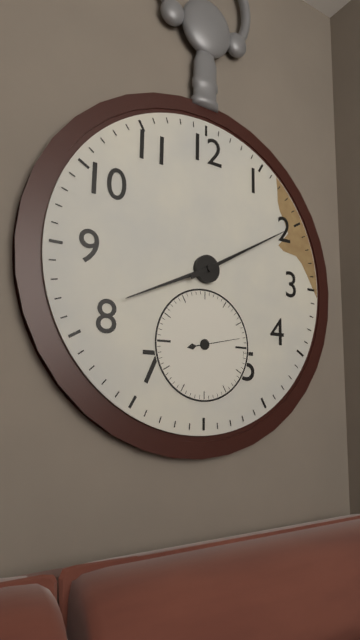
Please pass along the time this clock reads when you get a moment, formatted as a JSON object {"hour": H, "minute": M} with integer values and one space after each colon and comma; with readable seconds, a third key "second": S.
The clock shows {"hour": 8, "minute": 10}
